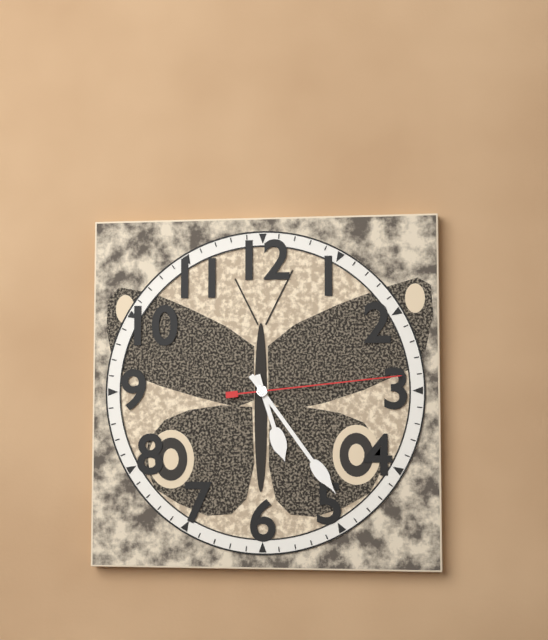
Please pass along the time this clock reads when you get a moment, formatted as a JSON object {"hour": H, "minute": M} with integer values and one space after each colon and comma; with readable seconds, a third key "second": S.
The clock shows {"hour": 5, "minute": 24, "second": 14}
